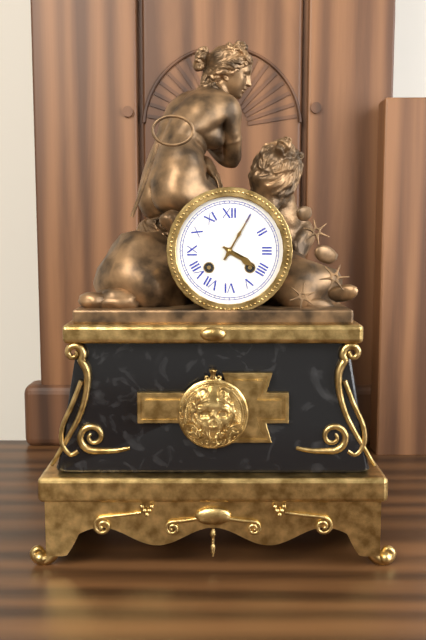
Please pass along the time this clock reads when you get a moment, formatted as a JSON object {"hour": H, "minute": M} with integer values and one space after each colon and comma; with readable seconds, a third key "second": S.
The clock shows {"hour": 4, "minute": 5}
